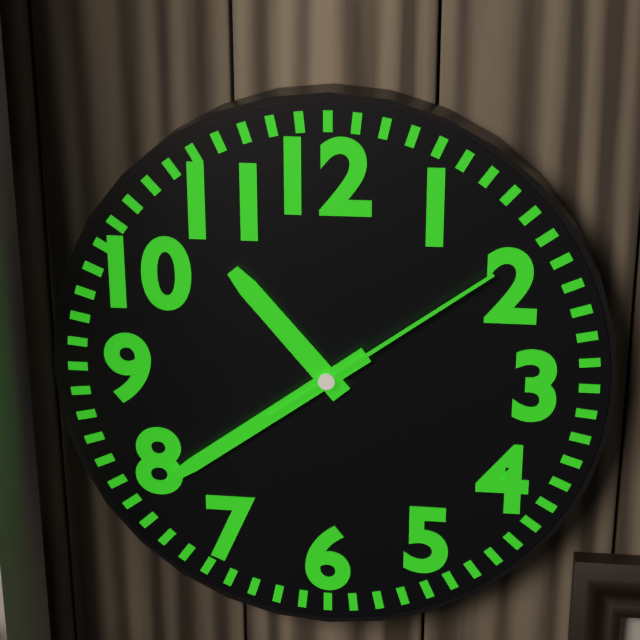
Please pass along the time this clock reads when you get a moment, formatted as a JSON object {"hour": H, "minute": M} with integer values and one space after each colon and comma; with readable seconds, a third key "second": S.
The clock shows {"hour": 10, "minute": 39, "second": 9}
